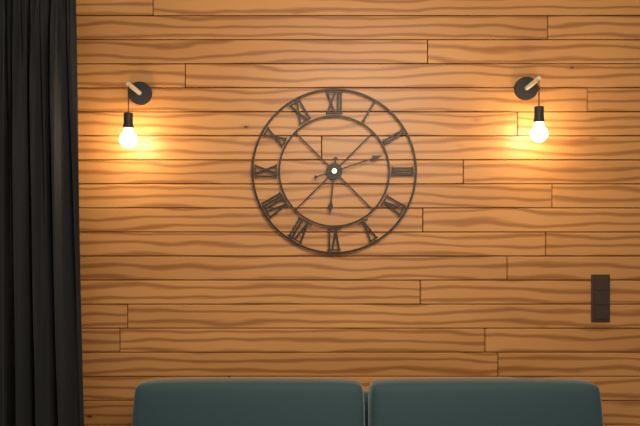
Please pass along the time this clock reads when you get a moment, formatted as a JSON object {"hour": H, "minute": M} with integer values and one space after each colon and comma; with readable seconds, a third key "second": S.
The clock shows {"hour": 6, "minute": 12}
